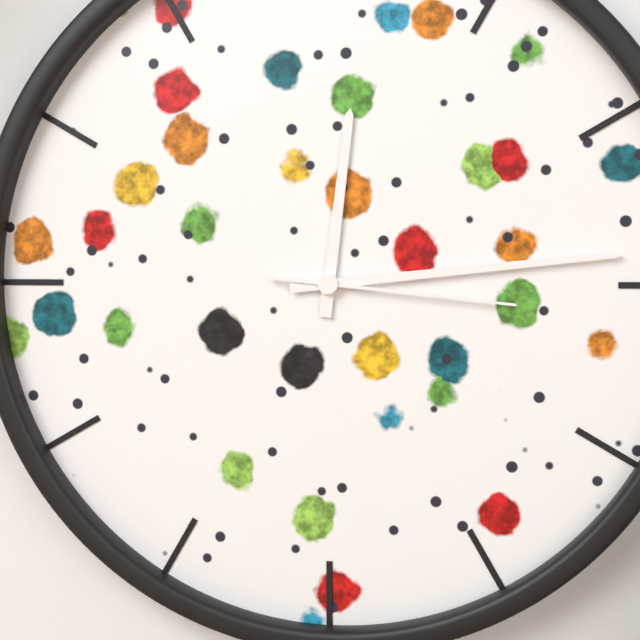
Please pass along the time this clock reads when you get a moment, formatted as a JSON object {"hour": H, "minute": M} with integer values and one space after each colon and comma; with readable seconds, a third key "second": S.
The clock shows {"hour": 12, "minute": 14, "second": 16}
